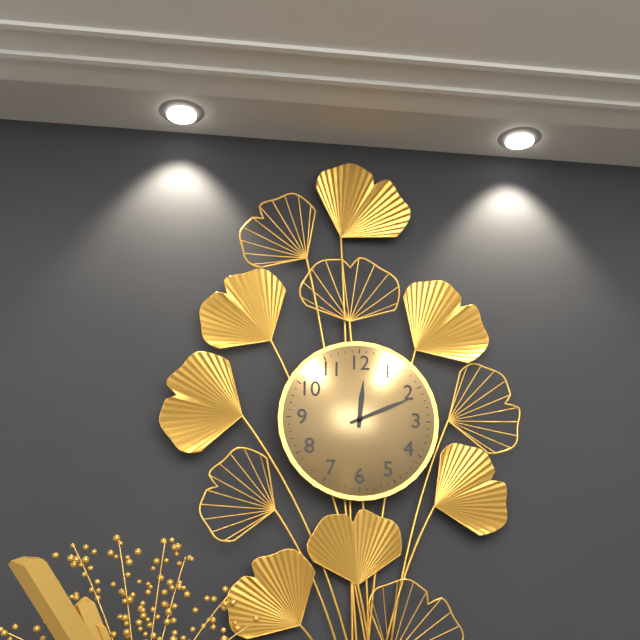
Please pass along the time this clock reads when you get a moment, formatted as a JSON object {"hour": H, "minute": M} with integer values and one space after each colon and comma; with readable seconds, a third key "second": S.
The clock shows {"hour": 12, "minute": 11}
